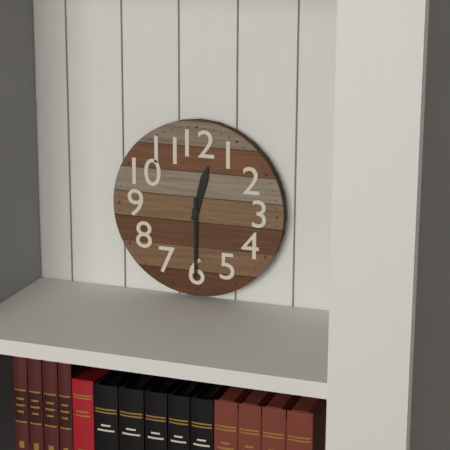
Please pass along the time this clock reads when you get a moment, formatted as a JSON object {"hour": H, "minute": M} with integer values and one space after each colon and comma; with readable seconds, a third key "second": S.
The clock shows {"hour": 12, "minute": 30}
